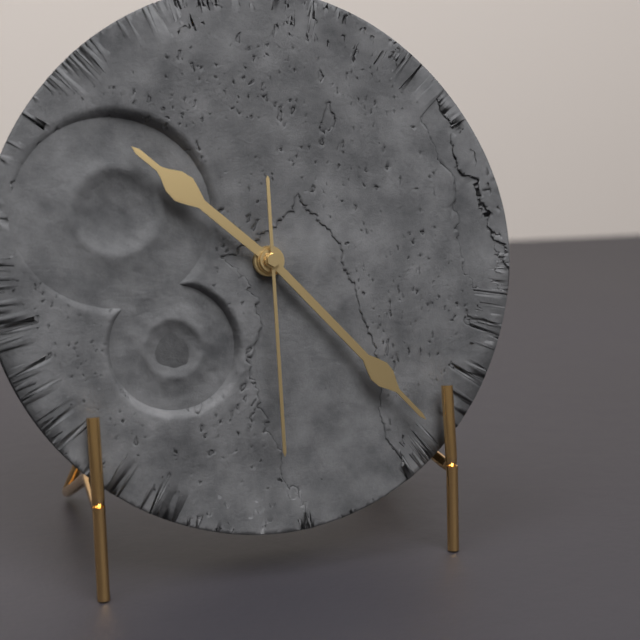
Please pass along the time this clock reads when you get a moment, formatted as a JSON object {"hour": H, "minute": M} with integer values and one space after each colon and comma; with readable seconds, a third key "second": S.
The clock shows {"hour": 10, "minute": 23, "second": 30}
